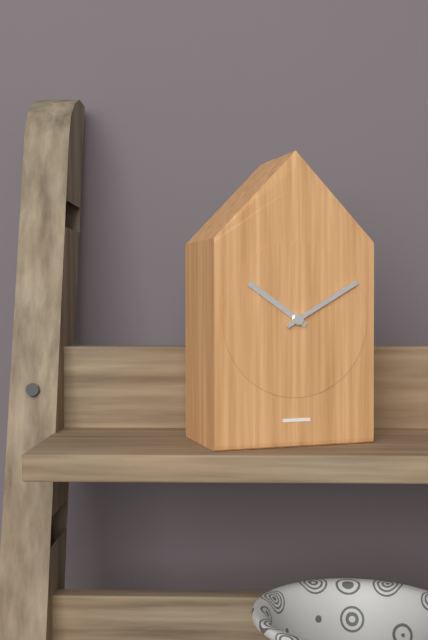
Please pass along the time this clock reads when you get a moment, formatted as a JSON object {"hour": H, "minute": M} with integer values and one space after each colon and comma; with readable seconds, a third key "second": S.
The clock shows {"hour": 10, "minute": 10}
